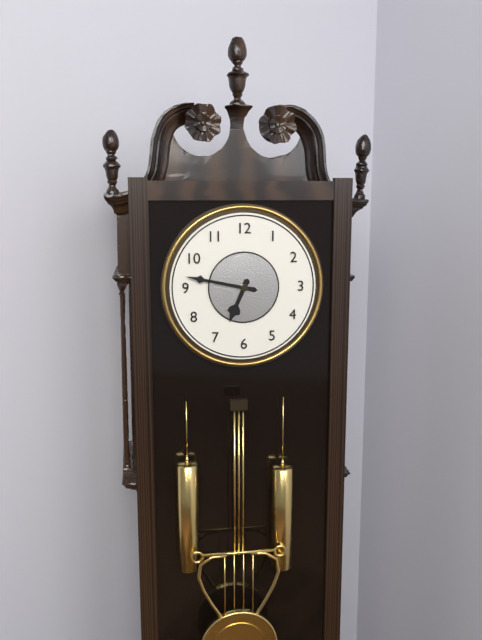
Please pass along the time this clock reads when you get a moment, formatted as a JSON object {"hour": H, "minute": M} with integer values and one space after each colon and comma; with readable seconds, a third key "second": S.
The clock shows {"hour": 6, "minute": 47}
